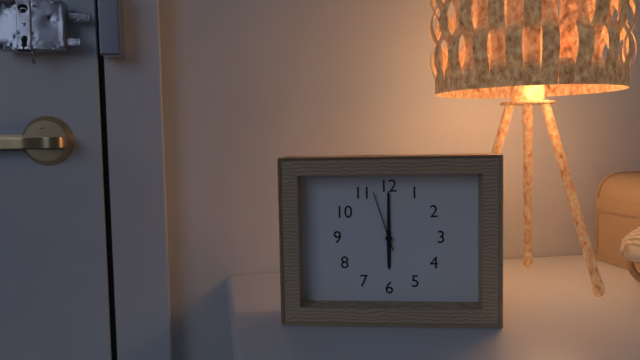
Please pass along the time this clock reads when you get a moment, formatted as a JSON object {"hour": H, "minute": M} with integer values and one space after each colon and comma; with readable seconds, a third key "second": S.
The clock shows {"hour": 6, "minute": 0, "second": 57}
